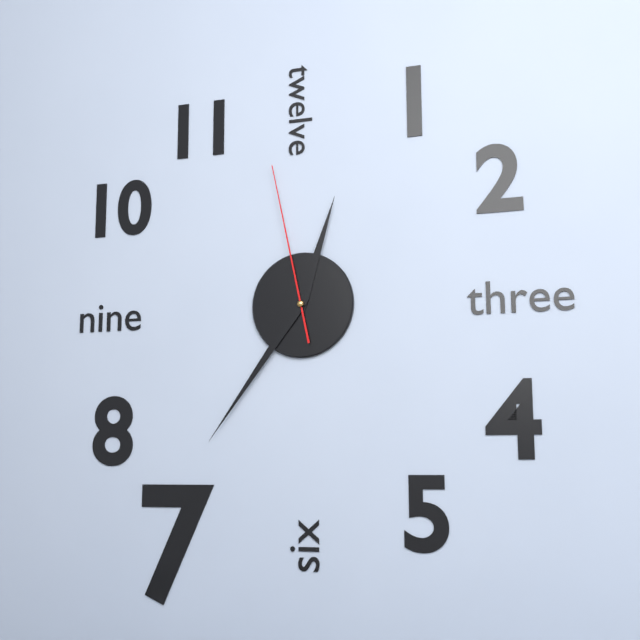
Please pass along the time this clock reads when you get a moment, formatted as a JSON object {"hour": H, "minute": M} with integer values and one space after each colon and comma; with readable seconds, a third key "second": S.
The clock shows {"hour": 12, "minute": 36, "second": 58}
